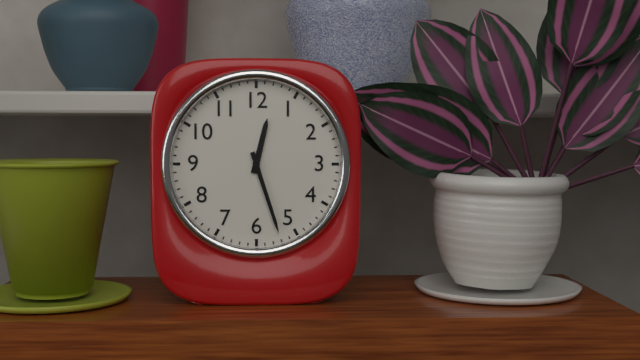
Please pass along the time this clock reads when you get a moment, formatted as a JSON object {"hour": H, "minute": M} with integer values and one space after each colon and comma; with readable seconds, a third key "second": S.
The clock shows {"hour": 12, "minute": 27}
